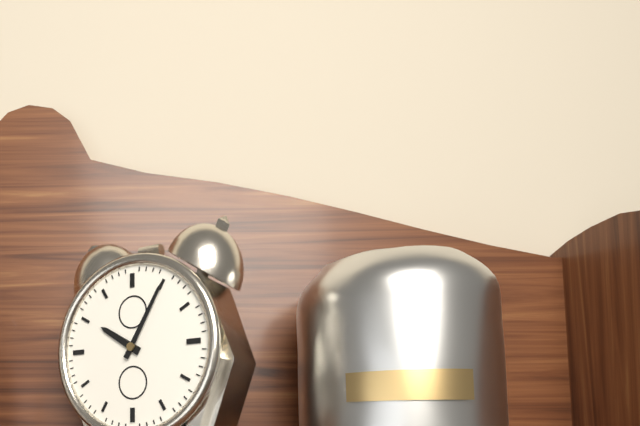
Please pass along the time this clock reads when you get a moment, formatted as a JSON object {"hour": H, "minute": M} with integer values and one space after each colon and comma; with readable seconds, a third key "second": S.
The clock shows {"hour": 10, "minute": 5}
